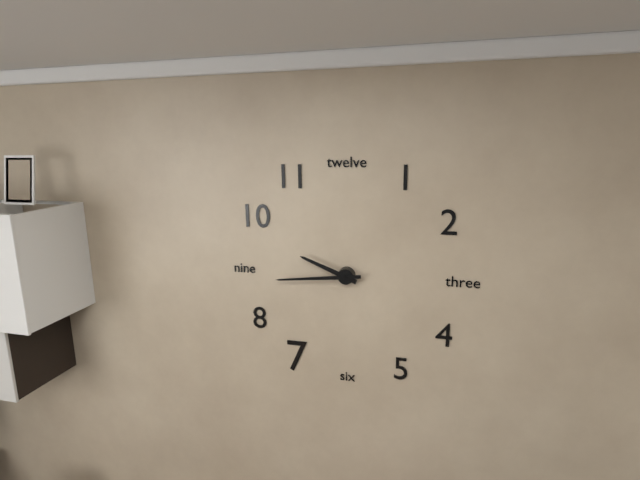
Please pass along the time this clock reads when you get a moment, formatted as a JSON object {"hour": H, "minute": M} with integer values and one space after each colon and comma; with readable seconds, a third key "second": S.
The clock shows {"hour": 9, "minute": 44}
